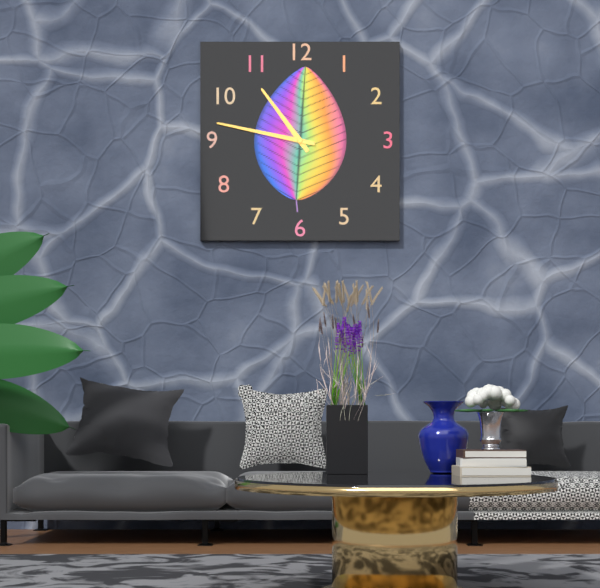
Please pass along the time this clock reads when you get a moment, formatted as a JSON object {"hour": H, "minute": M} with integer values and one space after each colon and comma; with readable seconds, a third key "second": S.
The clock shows {"hour": 10, "minute": 47}
